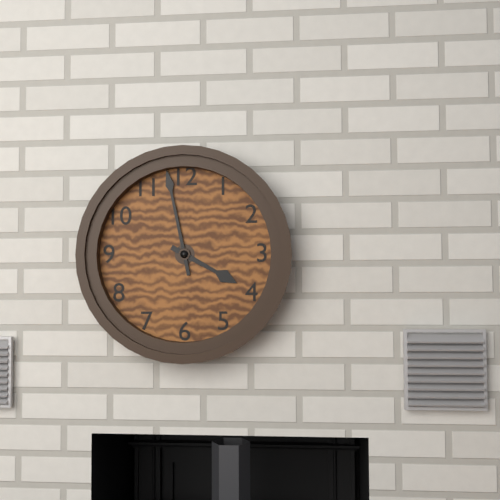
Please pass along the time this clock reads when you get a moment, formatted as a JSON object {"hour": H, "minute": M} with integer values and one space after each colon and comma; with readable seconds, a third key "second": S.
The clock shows {"hour": 3, "minute": 58}
